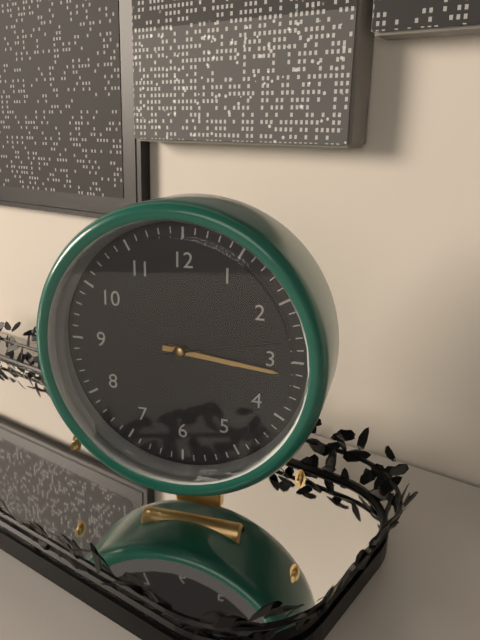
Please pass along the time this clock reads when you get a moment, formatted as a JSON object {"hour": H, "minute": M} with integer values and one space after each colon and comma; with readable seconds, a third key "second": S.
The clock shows {"hour": 3, "minute": 16, "second": 13}
